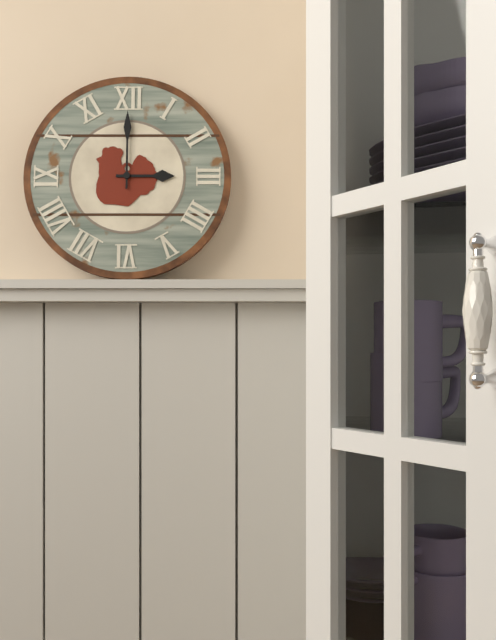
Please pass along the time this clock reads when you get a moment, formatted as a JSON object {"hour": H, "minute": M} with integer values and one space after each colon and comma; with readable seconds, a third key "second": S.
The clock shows {"hour": 3, "minute": 0}
